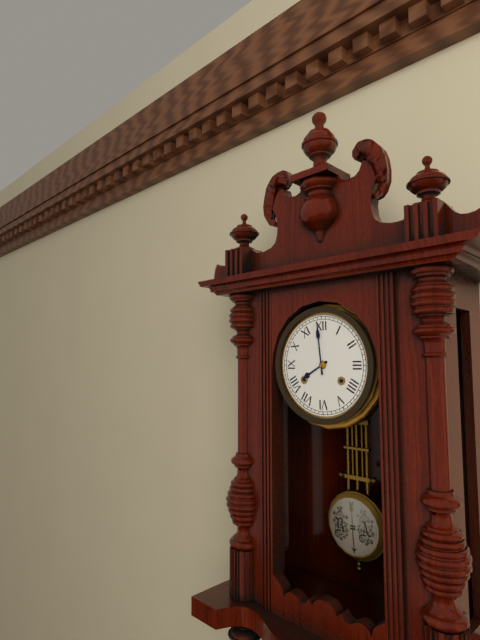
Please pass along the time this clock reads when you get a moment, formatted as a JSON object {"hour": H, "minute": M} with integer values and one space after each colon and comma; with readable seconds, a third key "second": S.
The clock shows {"hour": 7, "minute": 59}
